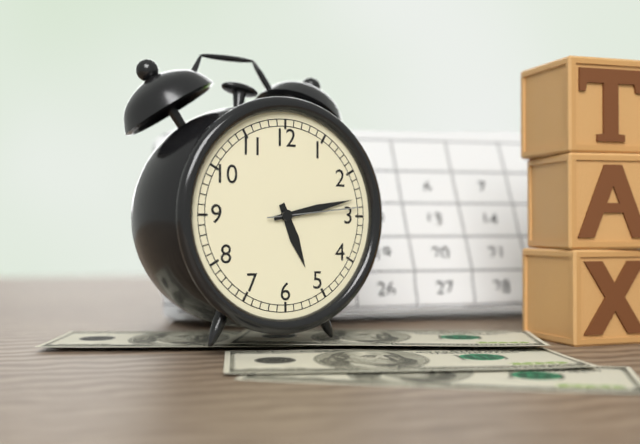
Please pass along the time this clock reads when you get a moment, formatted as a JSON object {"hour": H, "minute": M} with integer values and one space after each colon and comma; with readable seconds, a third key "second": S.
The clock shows {"hour": 5, "minute": 13, "second": 14}
